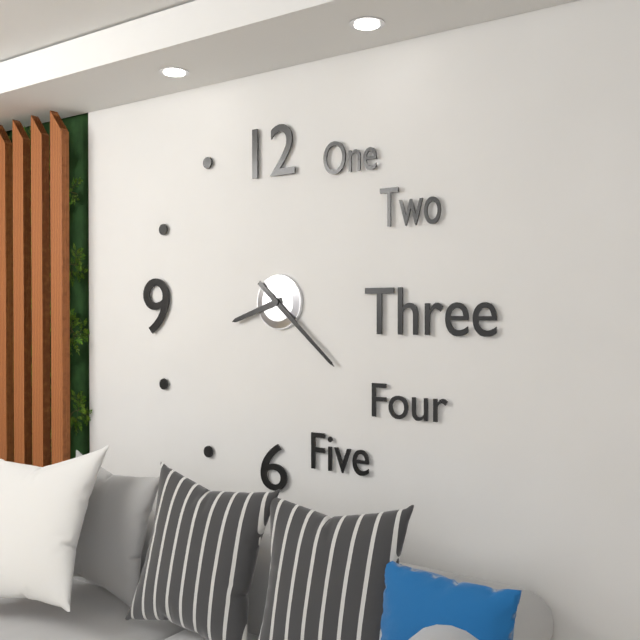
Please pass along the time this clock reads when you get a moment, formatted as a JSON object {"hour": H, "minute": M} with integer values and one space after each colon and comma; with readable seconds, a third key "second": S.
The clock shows {"hour": 8, "minute": 22}
